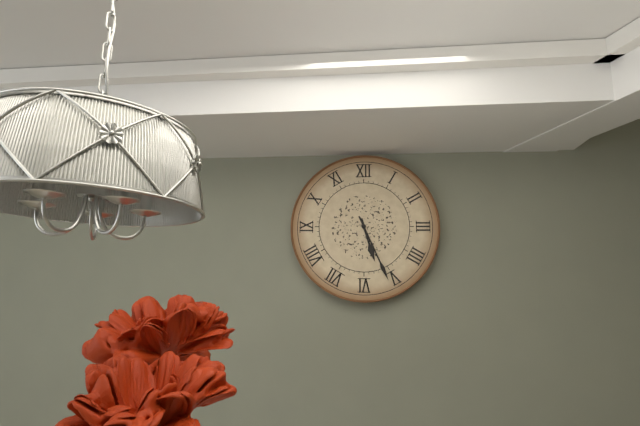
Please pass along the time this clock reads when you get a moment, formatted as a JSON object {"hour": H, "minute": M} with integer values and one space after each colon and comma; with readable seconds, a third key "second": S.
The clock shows {"hour": 5, "minute": 26}
